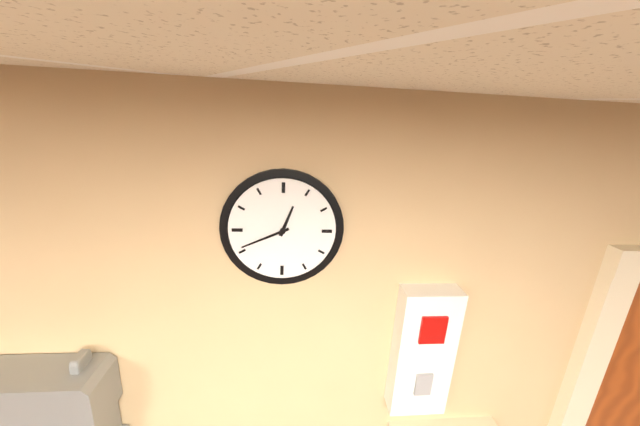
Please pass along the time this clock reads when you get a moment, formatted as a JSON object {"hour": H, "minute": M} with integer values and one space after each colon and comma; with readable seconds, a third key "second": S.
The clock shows {"hour": 12, "minute": 41}
